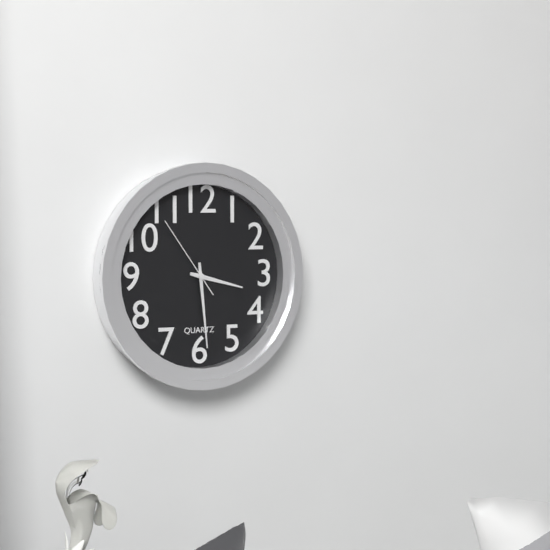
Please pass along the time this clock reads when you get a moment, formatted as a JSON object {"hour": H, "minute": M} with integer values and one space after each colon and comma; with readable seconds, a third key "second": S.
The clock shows {"hour": 3, "minute": 29, "second": 54}
